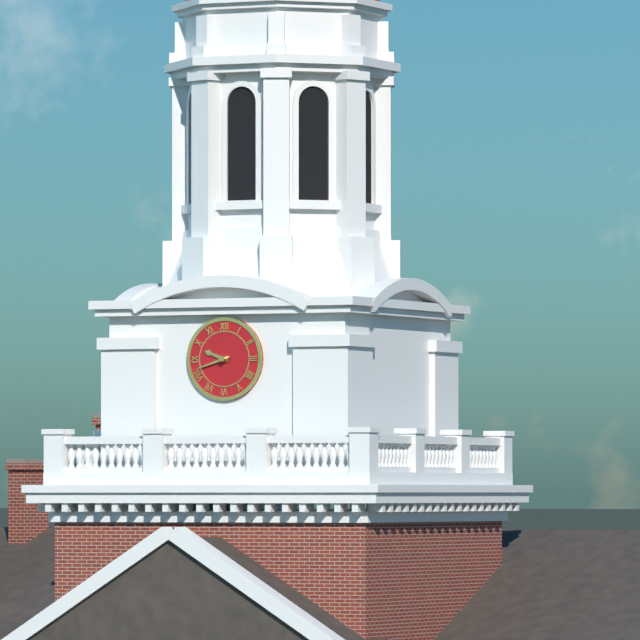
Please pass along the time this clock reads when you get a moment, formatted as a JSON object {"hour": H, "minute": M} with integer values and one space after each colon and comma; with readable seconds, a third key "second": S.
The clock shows {"hour": 9, "minute": 42}
